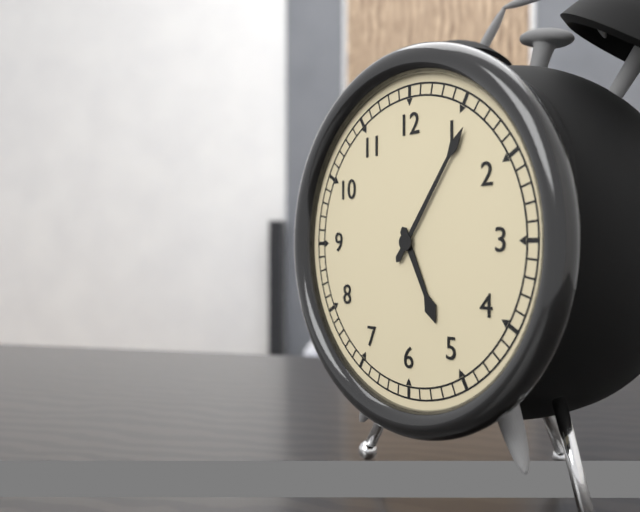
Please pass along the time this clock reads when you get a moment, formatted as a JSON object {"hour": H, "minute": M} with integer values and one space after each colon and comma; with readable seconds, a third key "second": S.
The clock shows {"hour": 5, "minute": 6}
